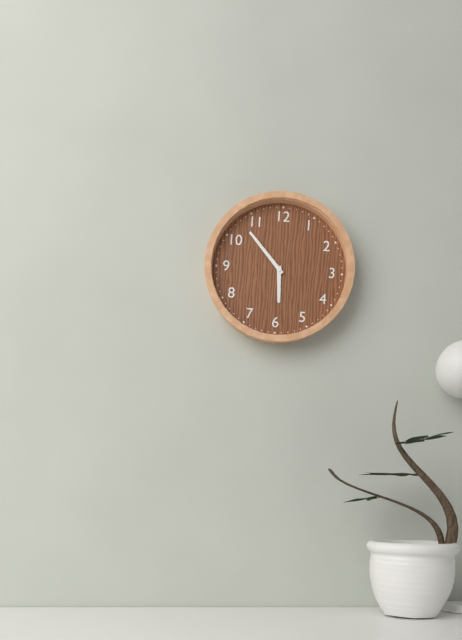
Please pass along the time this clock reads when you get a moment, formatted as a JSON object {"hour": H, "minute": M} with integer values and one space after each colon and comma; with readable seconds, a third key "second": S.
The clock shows {"hour": 5, "minute": 53}
